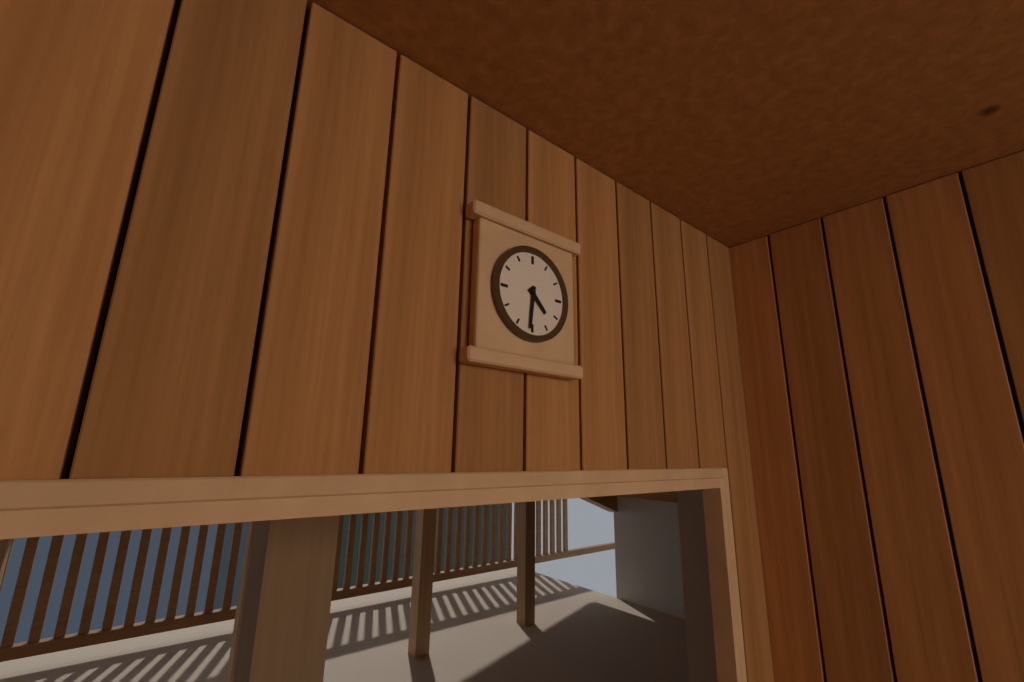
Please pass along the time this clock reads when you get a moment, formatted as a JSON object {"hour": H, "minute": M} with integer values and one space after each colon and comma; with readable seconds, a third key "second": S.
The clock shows {"hour": 4, "minute": 31}
